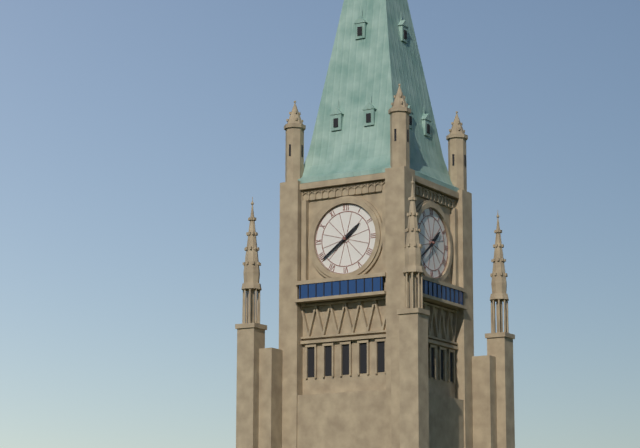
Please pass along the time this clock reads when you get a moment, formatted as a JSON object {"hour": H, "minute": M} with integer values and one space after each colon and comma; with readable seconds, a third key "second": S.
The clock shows {"hour": 1, "minute": 39}
